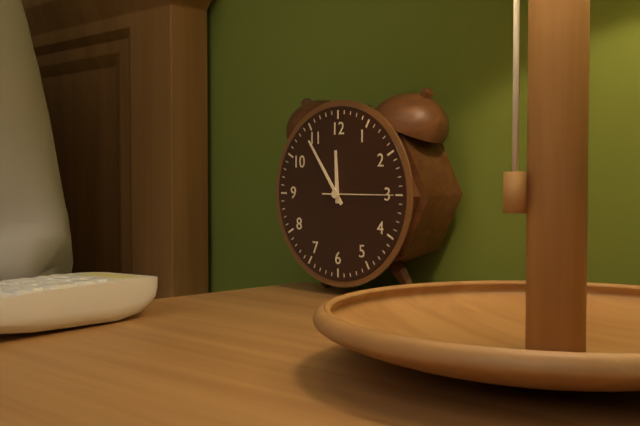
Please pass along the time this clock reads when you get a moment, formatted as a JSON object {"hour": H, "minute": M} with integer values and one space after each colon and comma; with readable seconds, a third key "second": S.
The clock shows {"hour": 11, "minute": 54, "second": 15}
